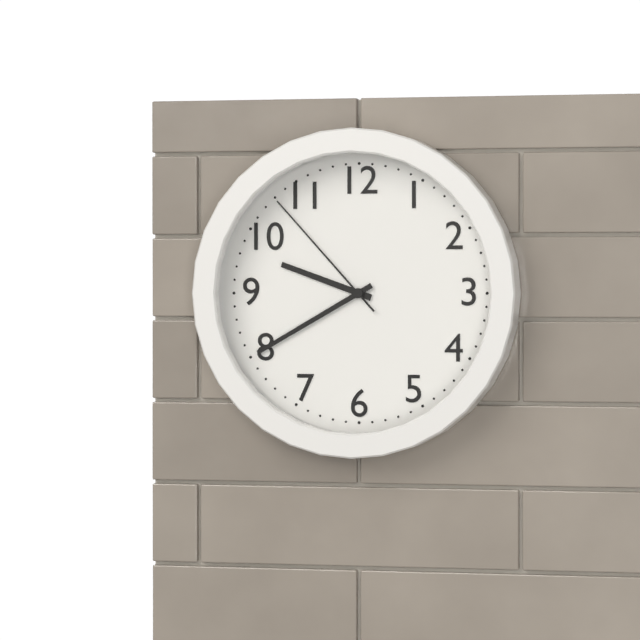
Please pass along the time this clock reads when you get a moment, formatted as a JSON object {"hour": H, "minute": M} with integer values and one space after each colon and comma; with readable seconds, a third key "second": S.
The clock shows {"hour": 9, "minute": 40, "second": 53}
